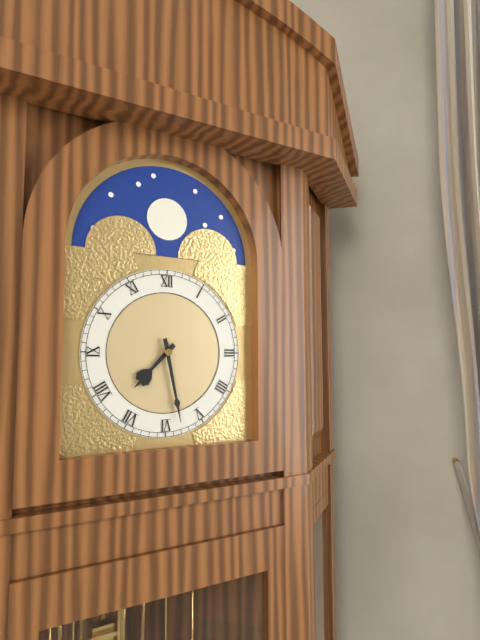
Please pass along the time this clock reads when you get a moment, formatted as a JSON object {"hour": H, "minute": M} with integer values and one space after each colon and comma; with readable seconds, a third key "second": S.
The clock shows {"hour": 7, "minute": 28}
